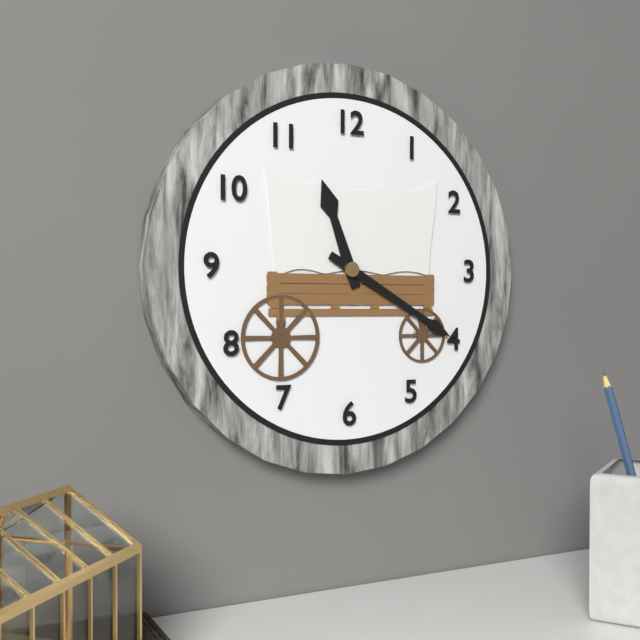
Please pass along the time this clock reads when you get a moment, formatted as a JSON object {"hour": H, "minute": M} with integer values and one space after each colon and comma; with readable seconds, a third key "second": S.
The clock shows {"hour": 11, "minute": 20}
